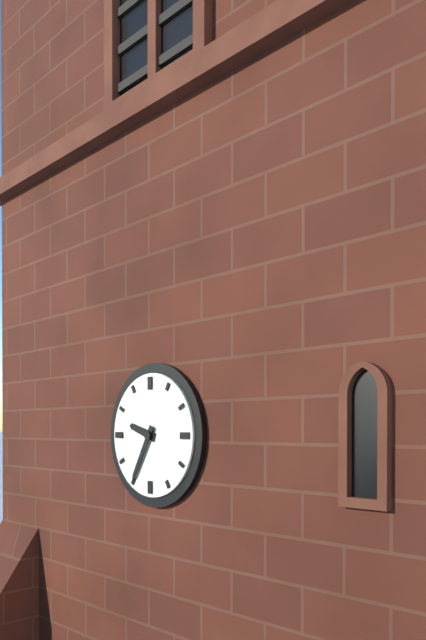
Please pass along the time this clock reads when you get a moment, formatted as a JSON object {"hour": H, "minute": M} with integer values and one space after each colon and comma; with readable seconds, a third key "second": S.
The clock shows {"hour": 9, "minute": 35}
